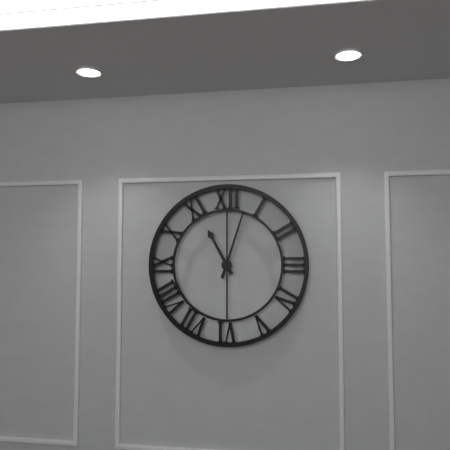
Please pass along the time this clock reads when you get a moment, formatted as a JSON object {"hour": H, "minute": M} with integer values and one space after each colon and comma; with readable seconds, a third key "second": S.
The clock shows {"hour": 11, "minute": 3}
